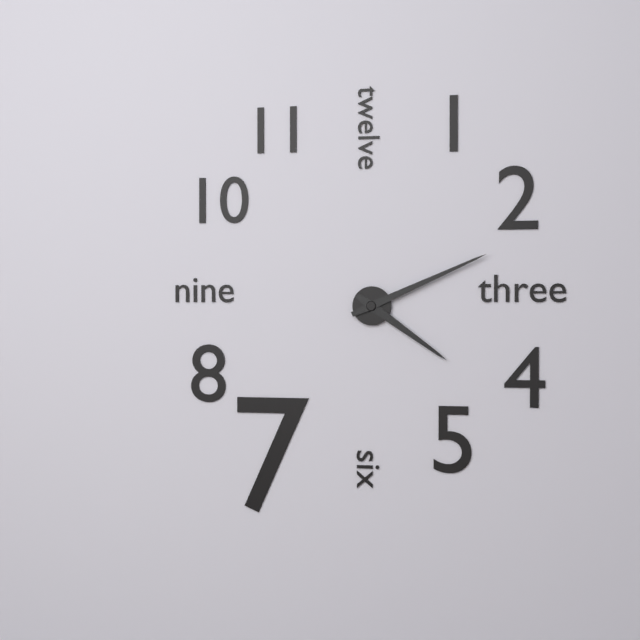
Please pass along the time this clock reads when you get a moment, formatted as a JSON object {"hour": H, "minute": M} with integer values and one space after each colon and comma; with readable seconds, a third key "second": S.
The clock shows {"hour": 4, "minute": 11}
